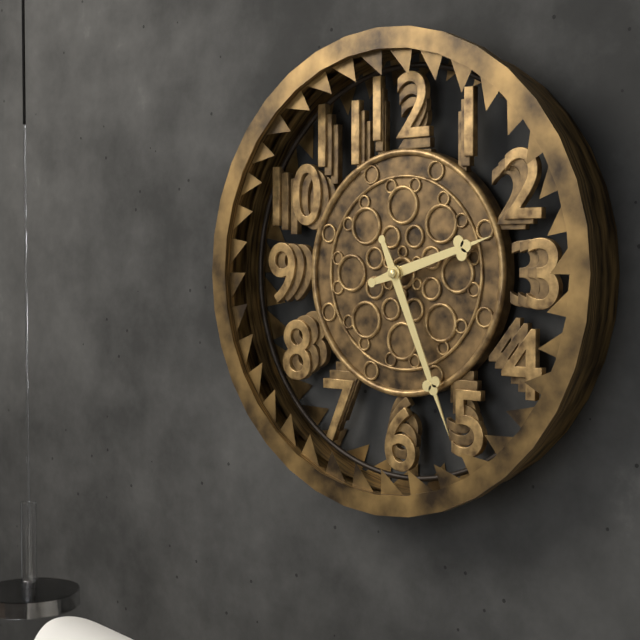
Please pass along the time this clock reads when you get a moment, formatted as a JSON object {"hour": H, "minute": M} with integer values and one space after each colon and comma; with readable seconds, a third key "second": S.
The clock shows {"hour": 2, "minute": 26}
